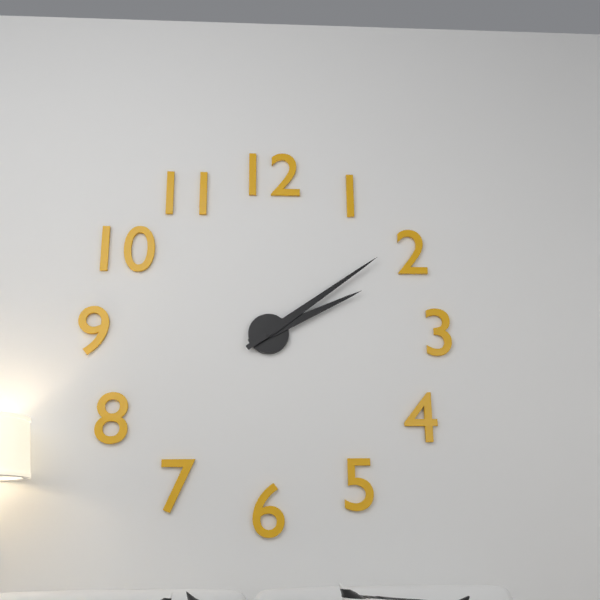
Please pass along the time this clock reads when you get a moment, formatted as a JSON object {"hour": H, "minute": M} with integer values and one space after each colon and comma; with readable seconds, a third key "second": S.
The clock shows {"hour": 2, "minute": 9}
